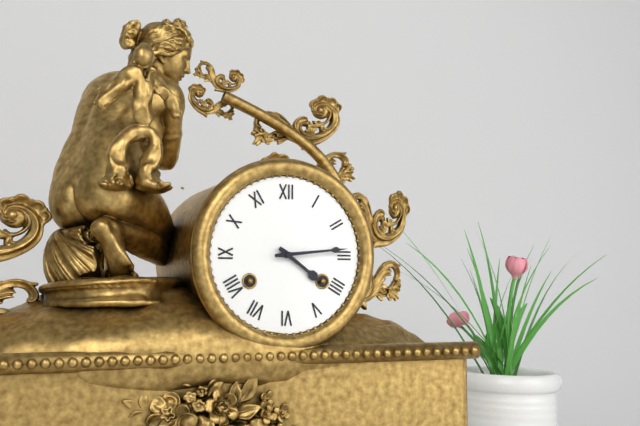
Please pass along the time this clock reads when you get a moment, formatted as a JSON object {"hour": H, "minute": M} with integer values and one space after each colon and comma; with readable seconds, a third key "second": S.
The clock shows {"hour": 4, "minute": 14}
